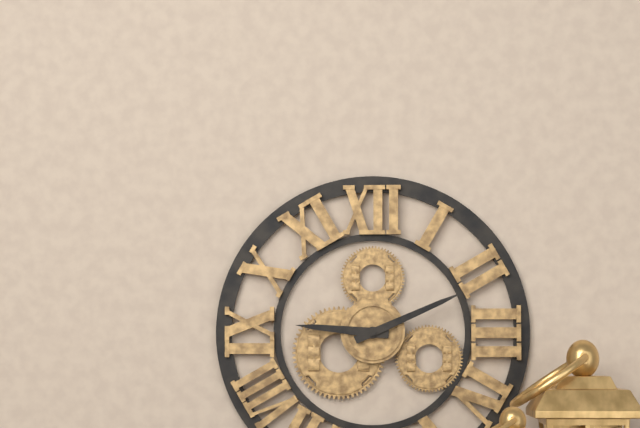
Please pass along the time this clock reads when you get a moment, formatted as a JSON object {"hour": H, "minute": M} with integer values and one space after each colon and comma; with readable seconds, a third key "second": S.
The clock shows {"hour": 9, "minute": 11}
